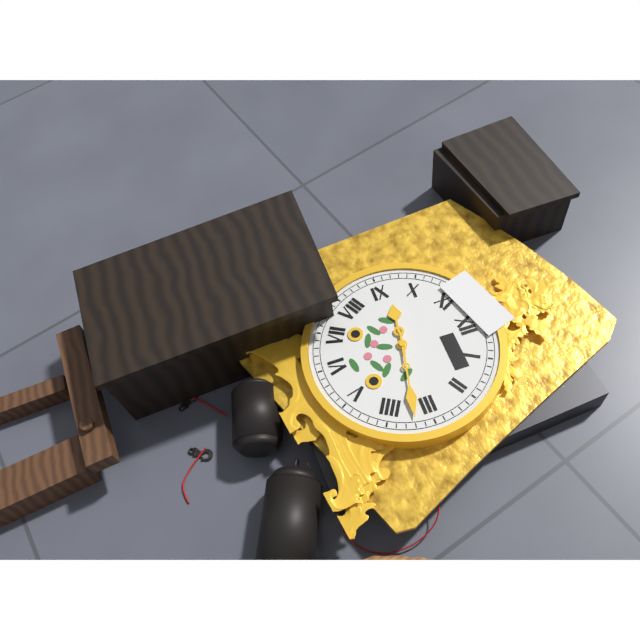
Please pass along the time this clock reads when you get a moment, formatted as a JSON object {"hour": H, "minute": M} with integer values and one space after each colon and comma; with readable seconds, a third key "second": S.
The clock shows {"hour": 9, "minute": 17}
